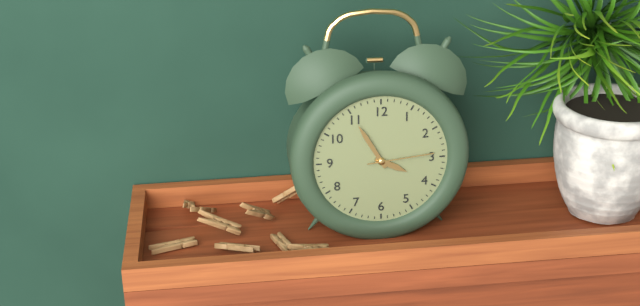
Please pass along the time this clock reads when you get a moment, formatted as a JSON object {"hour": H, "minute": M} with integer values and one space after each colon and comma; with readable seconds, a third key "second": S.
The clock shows {"hour": 3, "minute": 55, "second": 14}
